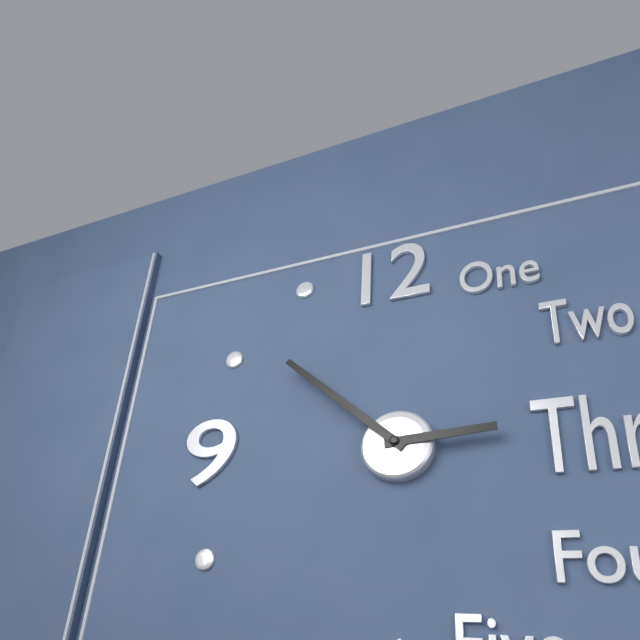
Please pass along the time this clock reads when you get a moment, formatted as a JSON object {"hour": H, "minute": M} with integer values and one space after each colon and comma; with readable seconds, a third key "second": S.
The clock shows {"hour": 2, "minute": 52}
